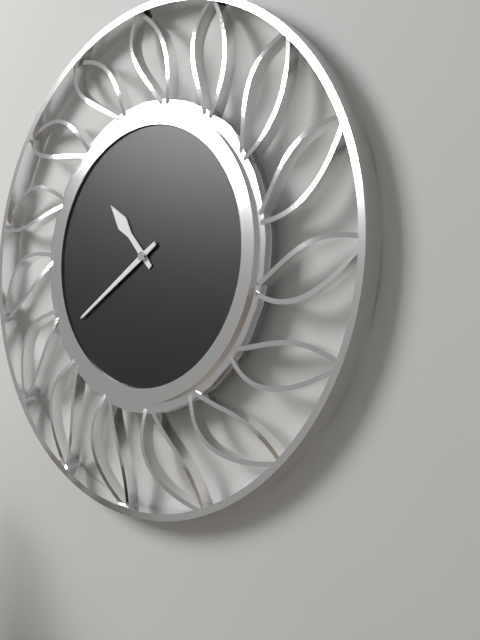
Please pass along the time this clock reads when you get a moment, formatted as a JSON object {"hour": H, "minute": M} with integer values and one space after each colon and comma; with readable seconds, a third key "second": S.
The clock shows {"hour": 10, "minute": 40}
